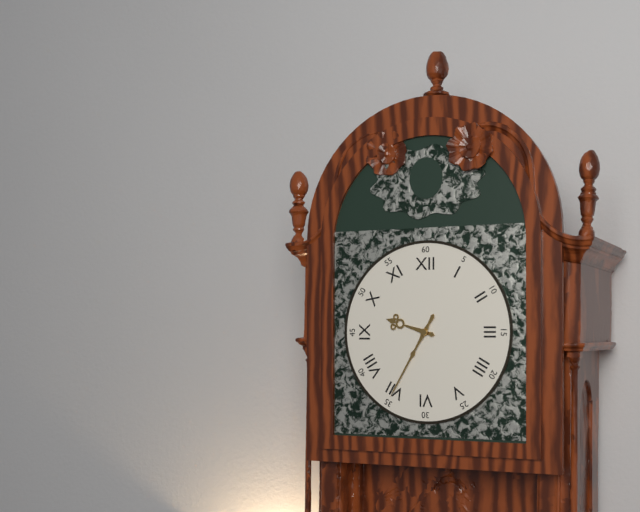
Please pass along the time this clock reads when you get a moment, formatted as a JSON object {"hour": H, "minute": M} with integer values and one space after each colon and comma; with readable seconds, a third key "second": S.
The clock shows {"hour": 9, "minute": 35}
